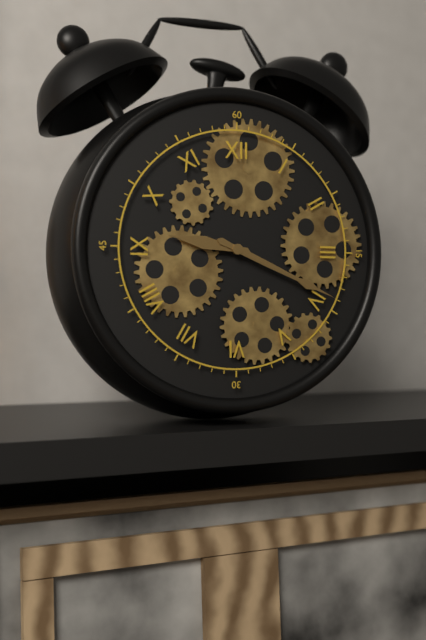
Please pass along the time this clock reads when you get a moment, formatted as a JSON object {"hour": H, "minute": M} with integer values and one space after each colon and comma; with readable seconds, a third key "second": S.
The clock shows {"hour": 9, "minute": 19}
